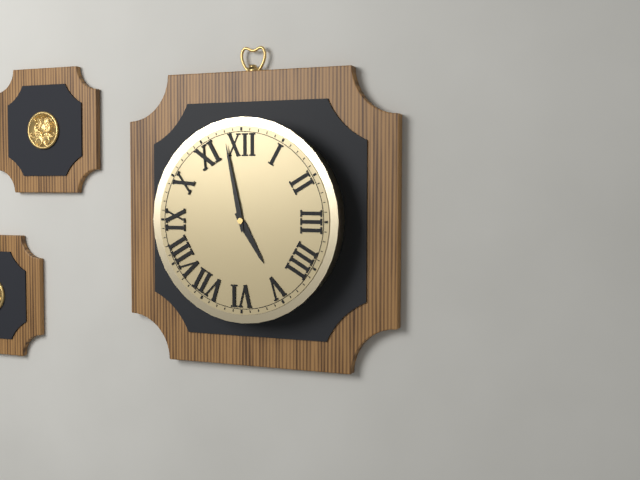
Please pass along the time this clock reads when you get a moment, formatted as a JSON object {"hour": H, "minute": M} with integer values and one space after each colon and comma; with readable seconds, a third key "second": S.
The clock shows {"hour": 4, "minute": 58}
